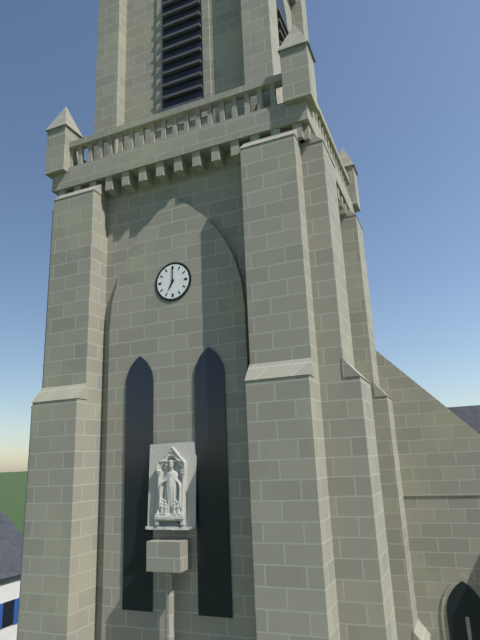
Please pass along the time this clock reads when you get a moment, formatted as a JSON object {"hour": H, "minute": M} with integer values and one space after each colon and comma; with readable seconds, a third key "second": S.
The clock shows {"hour": 7, "minute": 0}
